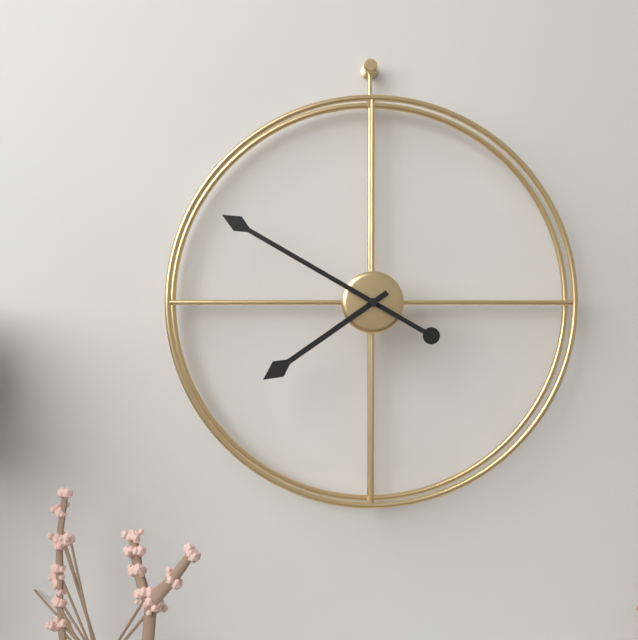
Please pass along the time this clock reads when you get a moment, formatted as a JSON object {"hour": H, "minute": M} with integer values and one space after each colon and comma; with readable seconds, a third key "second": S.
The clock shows {"hour": 7, "minute": 50}
